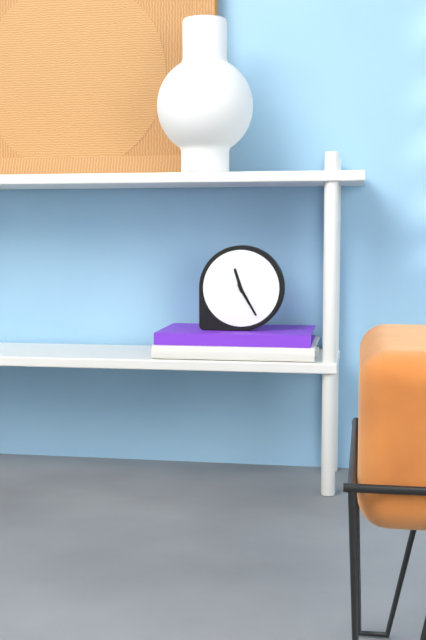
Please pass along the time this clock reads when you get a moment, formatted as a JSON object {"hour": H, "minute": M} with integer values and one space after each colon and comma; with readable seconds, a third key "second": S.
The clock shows {"hour": 11, "minute": 25}
